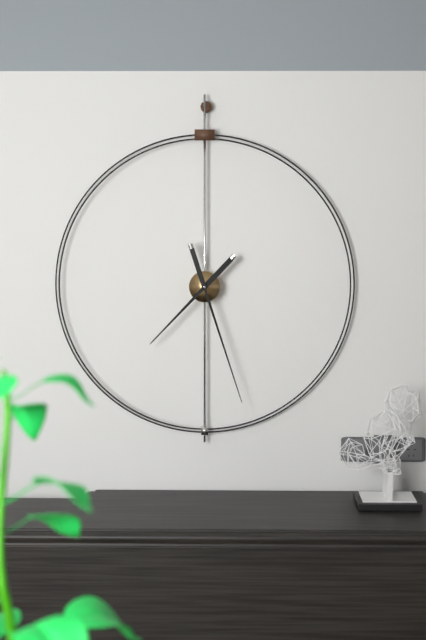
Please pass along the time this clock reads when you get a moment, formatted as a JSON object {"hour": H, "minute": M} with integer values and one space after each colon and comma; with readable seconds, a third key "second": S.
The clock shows {"hour": 7, "minute": 27}
